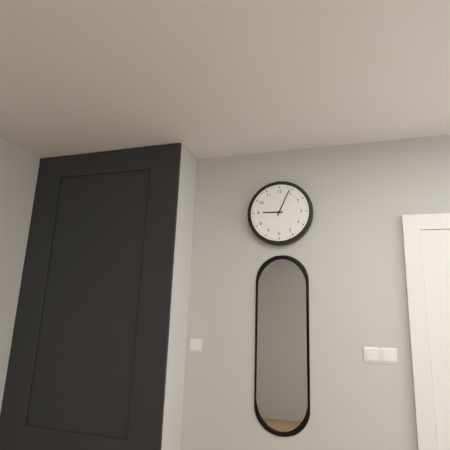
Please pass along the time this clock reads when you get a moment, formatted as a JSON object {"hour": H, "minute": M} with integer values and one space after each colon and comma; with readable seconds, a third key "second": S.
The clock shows {"hour": 9, "minute": 4}
